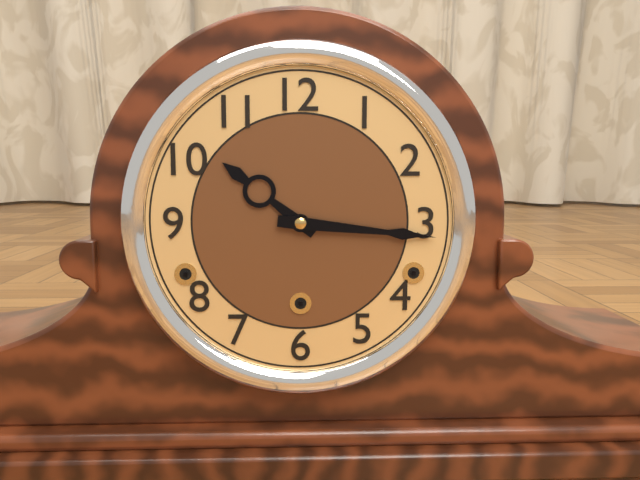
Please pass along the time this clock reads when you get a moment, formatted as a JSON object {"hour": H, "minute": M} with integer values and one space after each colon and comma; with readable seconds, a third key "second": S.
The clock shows {"hour": 10, "minute": 16}
